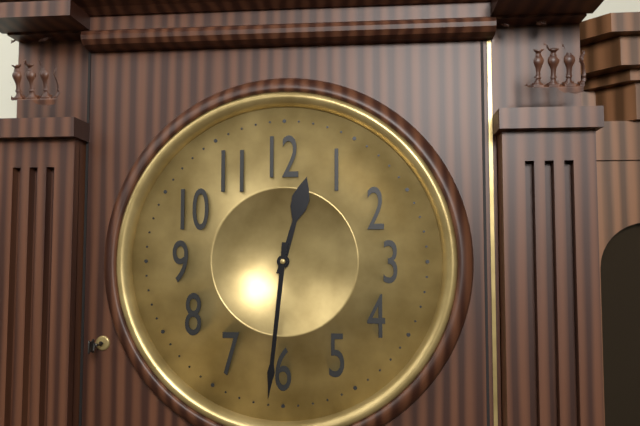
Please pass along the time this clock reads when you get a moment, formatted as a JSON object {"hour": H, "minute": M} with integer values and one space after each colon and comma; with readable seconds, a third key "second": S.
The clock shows {"hour": 12, "minute": 31}
